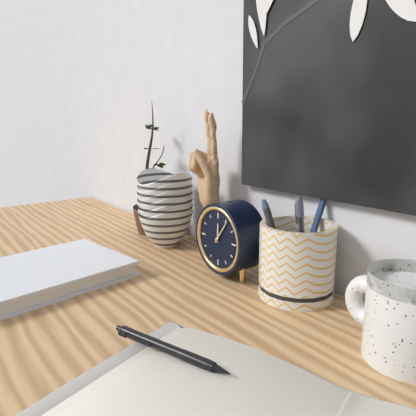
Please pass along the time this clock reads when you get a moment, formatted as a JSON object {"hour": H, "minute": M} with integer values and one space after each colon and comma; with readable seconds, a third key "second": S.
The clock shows {"hour": 12, "minute": 6}
